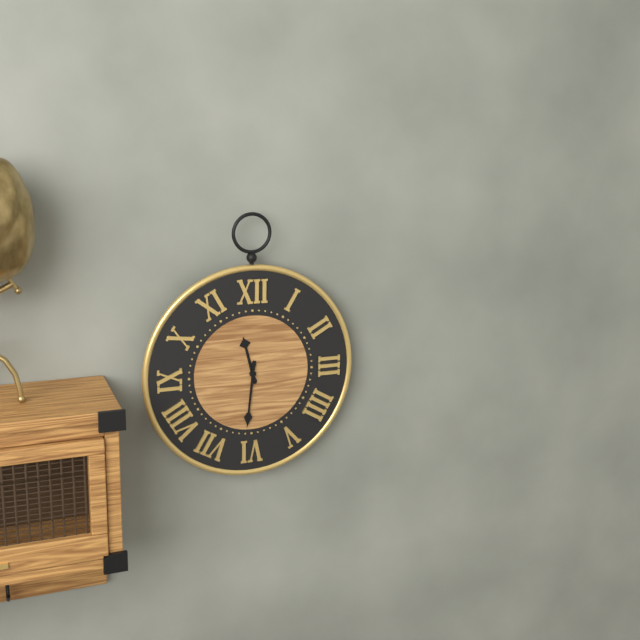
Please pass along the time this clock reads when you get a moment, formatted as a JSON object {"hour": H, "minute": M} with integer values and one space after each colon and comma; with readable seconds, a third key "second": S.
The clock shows {"hour": 11, "minute": 31}
